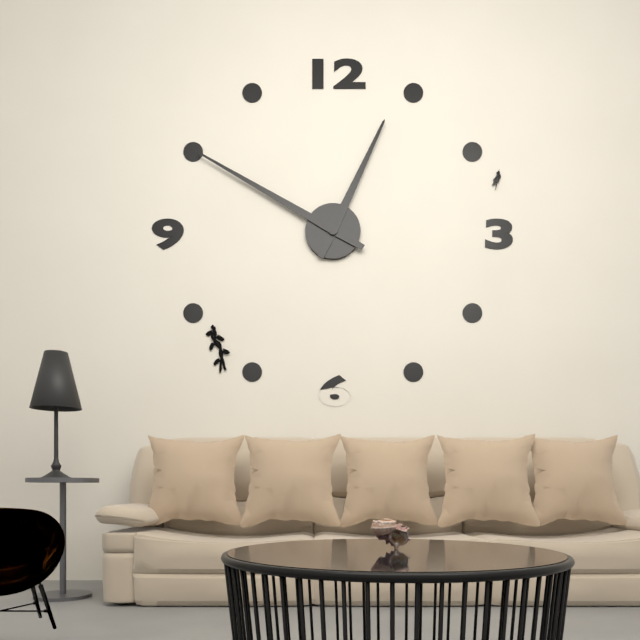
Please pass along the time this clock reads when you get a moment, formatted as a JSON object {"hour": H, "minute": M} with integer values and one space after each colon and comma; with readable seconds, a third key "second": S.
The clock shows {"hour": 12, "minute": 50}
